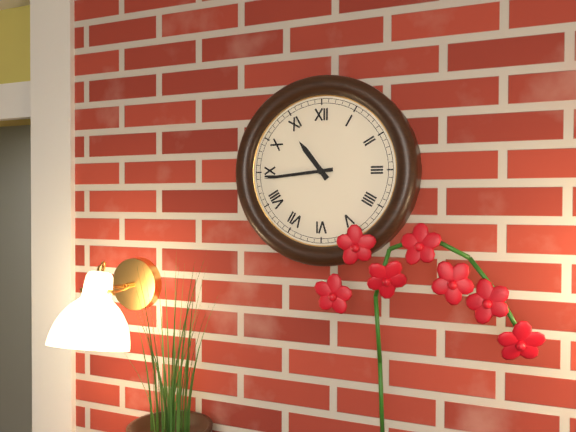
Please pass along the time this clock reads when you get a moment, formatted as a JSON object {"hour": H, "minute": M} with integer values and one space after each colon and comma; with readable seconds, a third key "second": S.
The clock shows {"hour": 10, "minute": 44}
